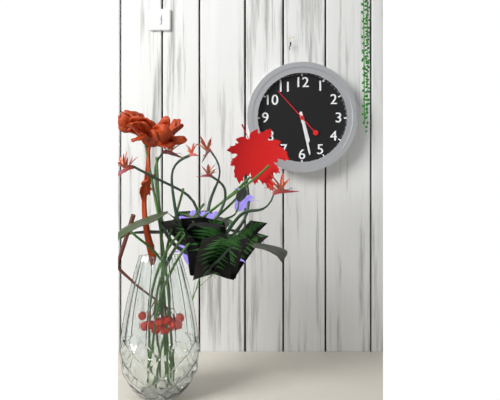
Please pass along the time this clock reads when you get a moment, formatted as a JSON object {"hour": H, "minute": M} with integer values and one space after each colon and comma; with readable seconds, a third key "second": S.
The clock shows {"hour": 5, "minute": 28}
